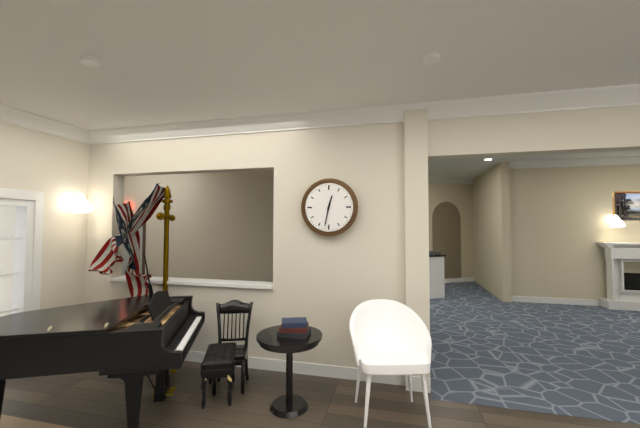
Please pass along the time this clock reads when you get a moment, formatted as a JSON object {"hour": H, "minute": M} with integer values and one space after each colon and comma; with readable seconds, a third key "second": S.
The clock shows {"hour": 12, "minute": 32}
